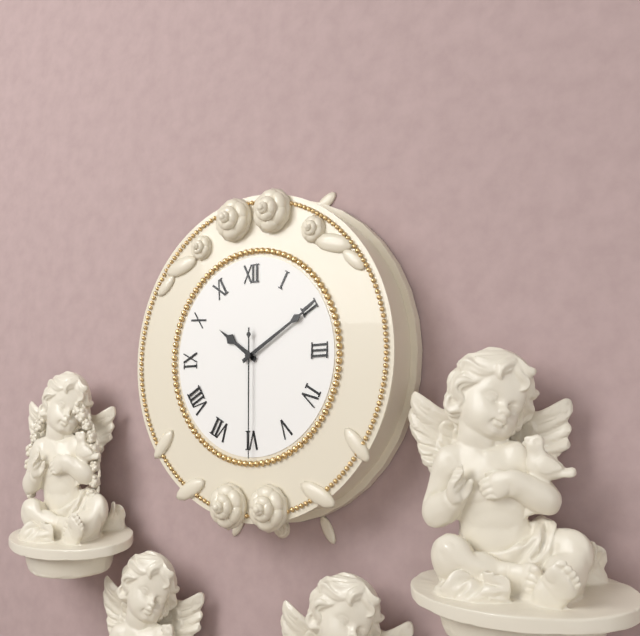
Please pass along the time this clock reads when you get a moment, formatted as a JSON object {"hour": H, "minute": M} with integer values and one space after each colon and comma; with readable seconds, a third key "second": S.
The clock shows {"hour": 10, "minute": 10, "second": 30}
